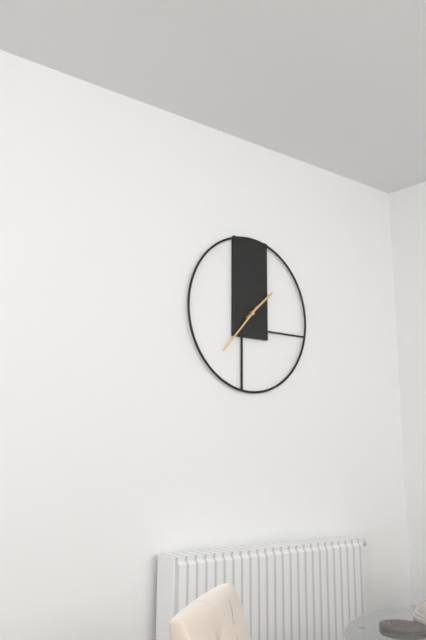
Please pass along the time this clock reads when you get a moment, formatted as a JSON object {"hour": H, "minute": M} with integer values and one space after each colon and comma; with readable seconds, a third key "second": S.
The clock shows {"hour": 1, "minute": 37}
